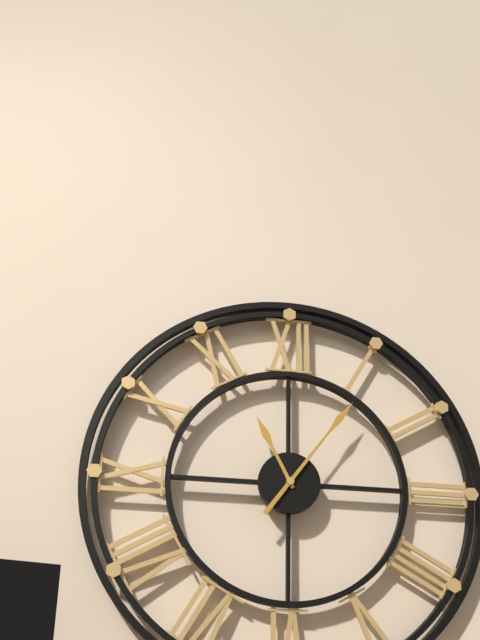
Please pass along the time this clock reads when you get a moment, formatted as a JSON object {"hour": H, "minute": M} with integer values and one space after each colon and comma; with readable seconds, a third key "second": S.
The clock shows {"hour": 11, "minute": 6}
